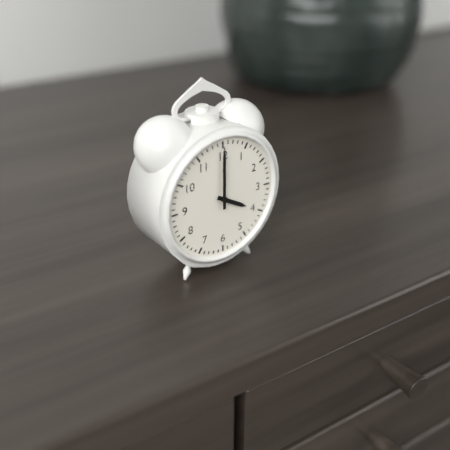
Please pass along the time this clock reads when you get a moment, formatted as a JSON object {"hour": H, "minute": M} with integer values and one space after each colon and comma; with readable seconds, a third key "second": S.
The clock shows {"hour": 4, "minute": 0}
